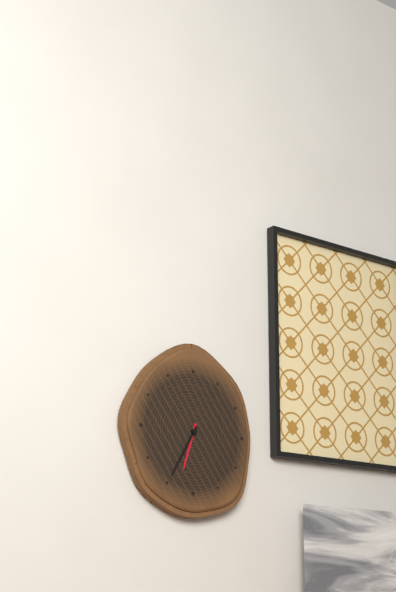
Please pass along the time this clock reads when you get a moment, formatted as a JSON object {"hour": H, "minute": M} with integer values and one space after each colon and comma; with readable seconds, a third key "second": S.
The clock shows {"hour": 6, "minute": 35}
